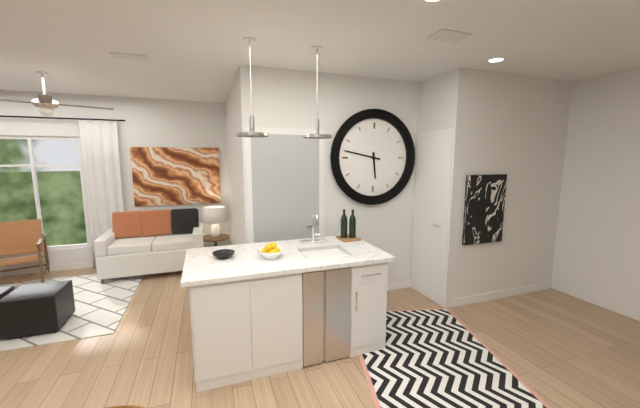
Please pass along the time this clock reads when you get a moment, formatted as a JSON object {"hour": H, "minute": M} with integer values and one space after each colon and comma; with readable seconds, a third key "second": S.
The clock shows {"hour": 5, "minute": 47}
